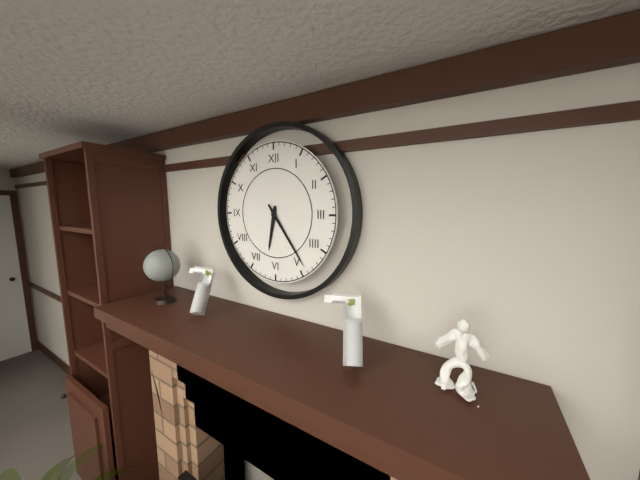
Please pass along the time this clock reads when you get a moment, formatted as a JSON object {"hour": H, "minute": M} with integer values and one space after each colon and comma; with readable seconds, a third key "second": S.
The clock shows {"hour": 6, "minute": 24}
